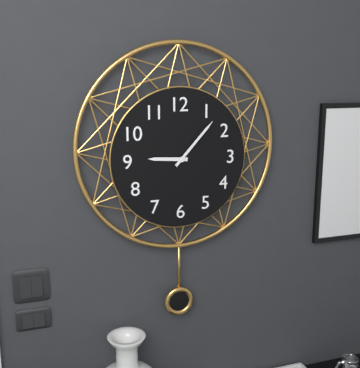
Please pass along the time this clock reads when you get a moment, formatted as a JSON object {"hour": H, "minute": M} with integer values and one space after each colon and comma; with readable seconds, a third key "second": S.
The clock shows {"hour": 9, "minute": 7}
